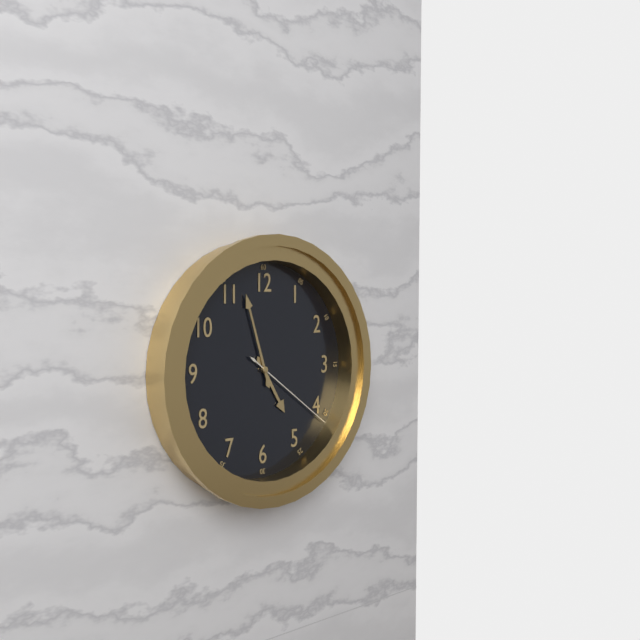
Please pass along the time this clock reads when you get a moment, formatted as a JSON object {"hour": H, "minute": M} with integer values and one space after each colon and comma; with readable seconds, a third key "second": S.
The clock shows {"hour": 4, "minute": 57, "second": 21}
